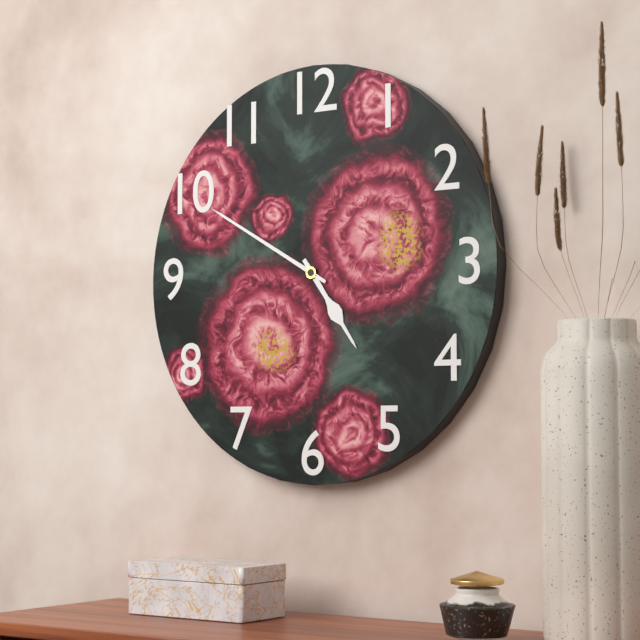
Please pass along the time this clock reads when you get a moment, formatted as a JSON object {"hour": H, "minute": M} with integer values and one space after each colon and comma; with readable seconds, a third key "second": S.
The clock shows {"hour": 4, "minute": 50}
